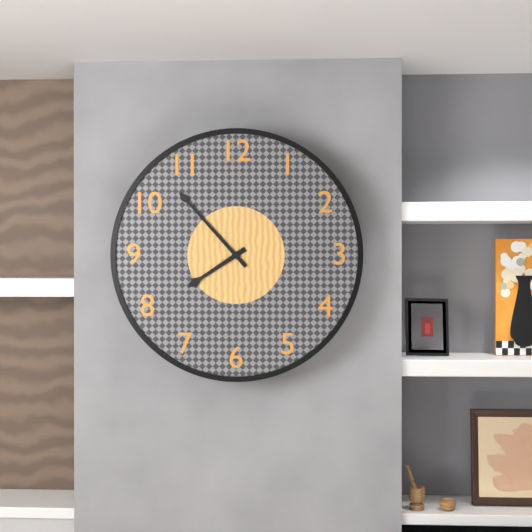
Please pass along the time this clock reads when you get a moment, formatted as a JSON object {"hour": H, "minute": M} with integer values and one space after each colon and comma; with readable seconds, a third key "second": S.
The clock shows {"hour": 7, "minute": 53}
